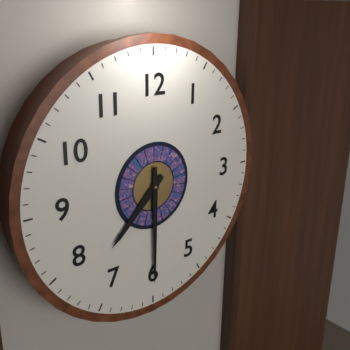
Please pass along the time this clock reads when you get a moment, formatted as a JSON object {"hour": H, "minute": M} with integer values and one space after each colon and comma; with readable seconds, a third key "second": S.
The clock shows {"hour": 7, "minute": 30}
